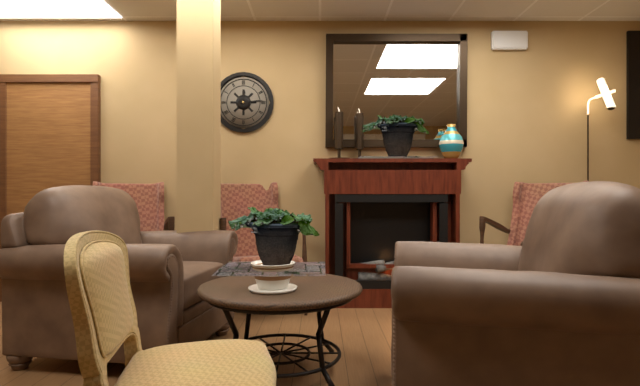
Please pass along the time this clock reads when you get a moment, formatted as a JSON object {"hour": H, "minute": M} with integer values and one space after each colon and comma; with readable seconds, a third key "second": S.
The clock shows {"hour": 12, "minute": 14}
